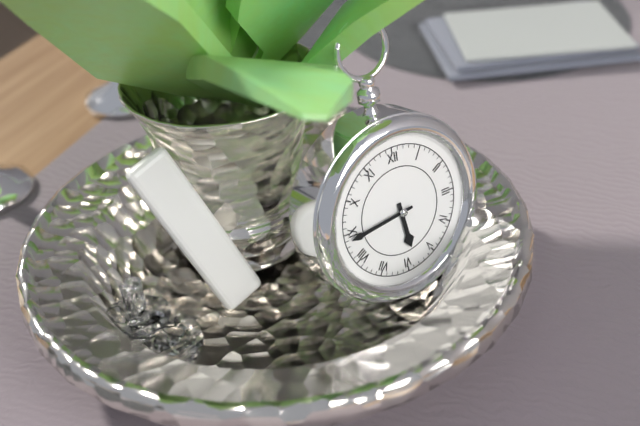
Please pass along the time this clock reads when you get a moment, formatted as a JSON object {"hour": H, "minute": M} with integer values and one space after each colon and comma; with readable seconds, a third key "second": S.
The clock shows {"hour": 5, "minute": 44}
